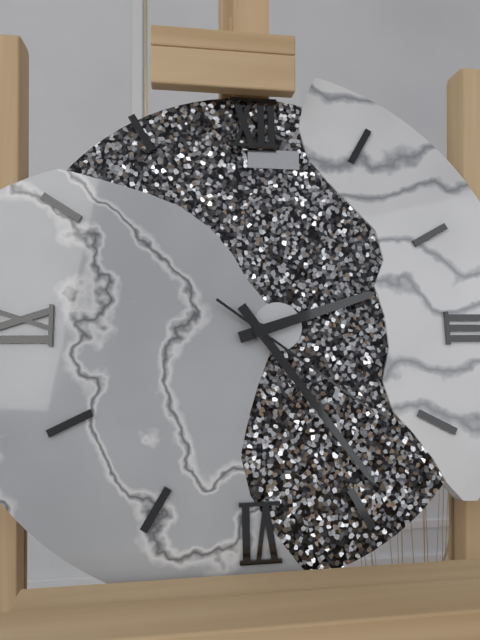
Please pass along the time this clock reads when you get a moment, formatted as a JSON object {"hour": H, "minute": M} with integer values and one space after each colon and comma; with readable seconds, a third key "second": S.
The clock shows {"hour": 2, "minute": 24, "second": 21}
